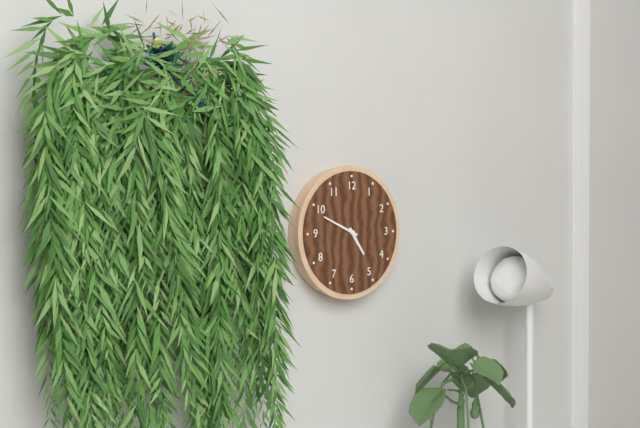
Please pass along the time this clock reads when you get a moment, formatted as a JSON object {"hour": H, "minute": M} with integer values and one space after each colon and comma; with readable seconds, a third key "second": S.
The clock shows {"hour": 4, "minute": 49}
